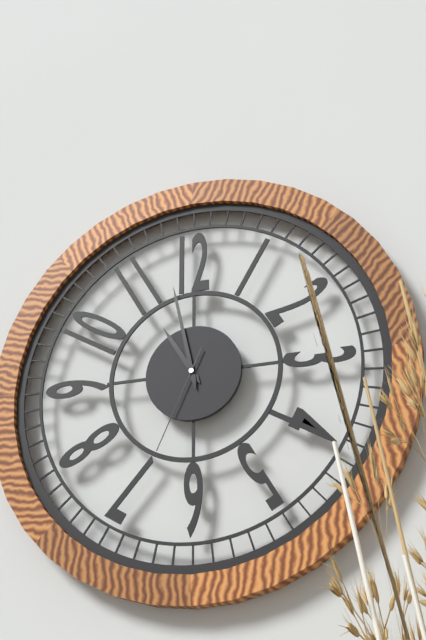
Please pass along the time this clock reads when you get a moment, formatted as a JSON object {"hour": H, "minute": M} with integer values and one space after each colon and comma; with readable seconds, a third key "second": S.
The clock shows {"hour": 10, "minute": 58, "second": 34}
